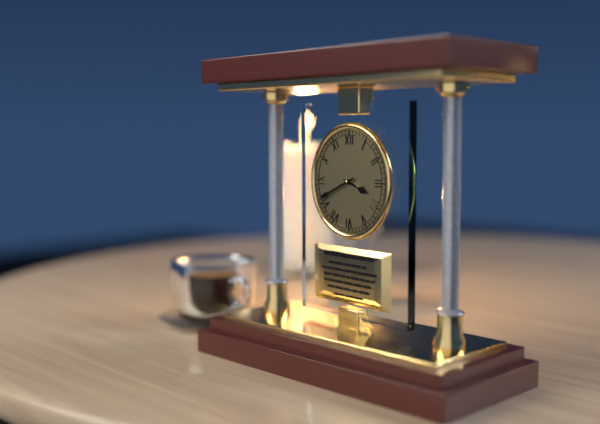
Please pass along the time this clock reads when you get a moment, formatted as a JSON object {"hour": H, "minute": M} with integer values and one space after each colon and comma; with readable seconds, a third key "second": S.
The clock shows {"hour": 3, "minute": 41}
